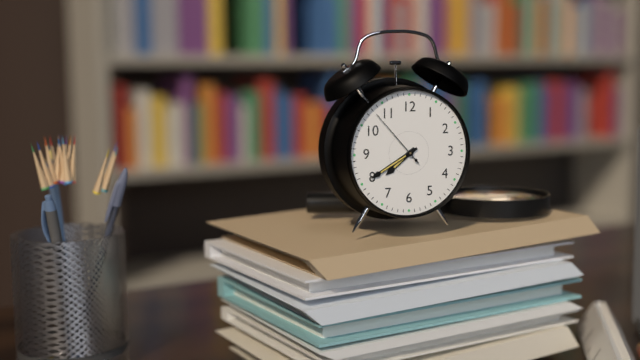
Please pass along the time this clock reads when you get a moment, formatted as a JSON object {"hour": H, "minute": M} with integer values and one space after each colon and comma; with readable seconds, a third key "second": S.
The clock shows {"hour": 7, "minute": 40, "second": 53}
